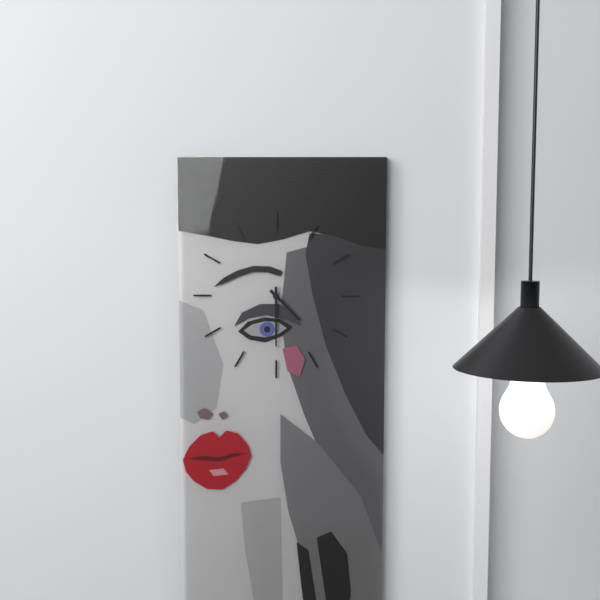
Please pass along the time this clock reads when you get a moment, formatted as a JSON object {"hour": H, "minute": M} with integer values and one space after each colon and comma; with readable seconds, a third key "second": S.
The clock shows {"hour": 4, "minute": 30}
